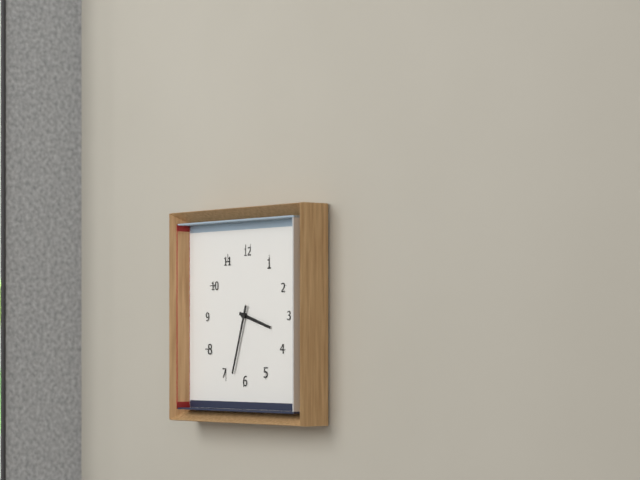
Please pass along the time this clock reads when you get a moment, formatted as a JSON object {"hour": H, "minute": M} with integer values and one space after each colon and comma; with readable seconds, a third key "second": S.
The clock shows {"hour": 3, "minute": 33}
